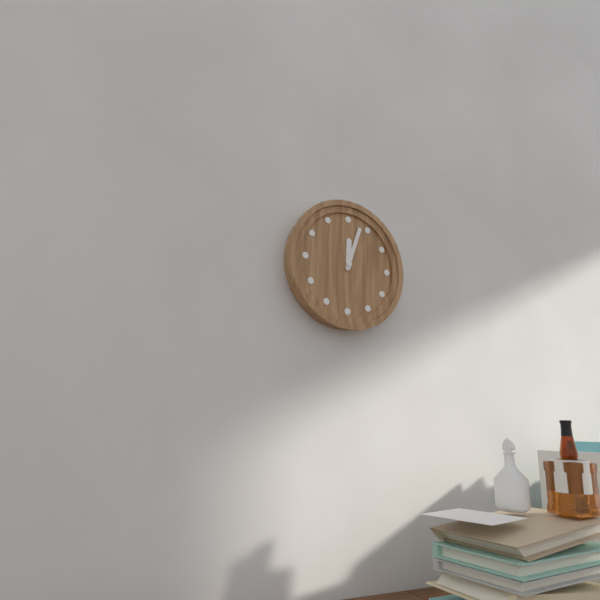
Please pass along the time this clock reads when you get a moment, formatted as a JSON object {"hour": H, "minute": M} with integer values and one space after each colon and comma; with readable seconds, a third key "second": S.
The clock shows {"hour": 12, "minute": 3}
